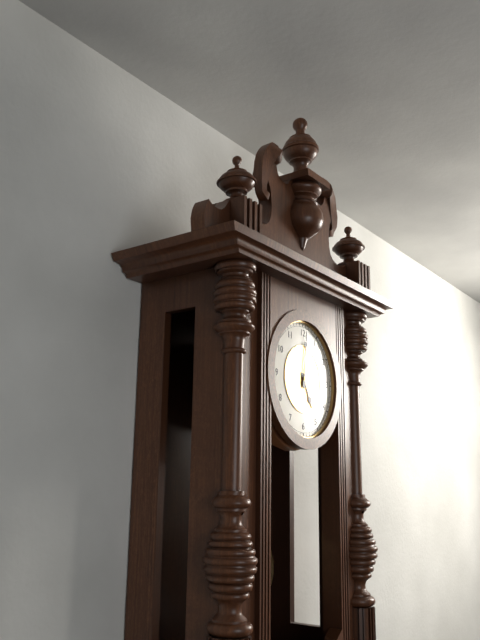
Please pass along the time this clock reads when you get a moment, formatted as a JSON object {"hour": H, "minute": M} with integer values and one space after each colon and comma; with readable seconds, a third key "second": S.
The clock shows {"hour": 5, "minute": 1}
